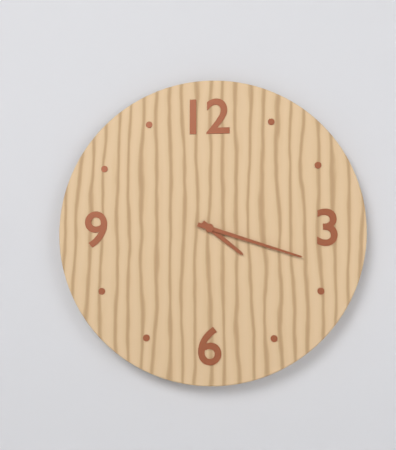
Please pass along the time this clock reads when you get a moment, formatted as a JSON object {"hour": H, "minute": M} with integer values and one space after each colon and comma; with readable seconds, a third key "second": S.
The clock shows {"hour": 4, "minute": 18}
